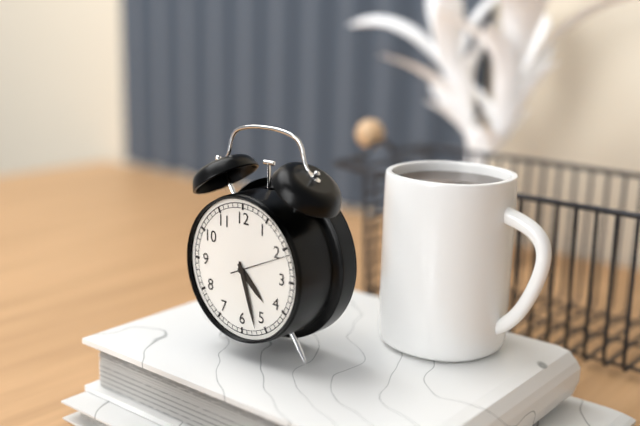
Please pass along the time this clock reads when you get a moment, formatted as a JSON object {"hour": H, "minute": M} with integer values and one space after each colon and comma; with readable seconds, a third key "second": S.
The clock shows {"hour": 4, "minute": 27, "second": 11}
